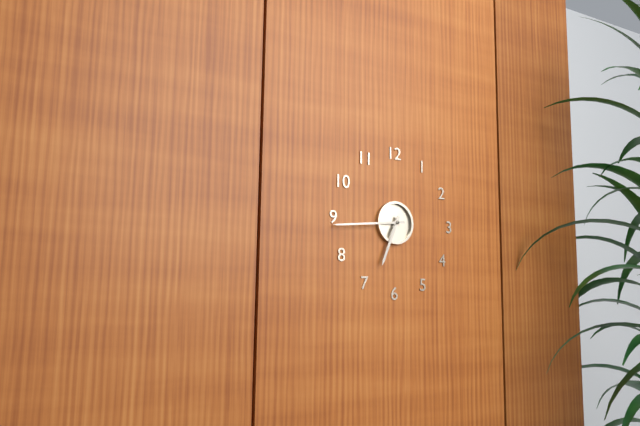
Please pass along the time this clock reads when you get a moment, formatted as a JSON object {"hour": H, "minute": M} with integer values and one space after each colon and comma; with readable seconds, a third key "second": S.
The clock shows {"hour": 6, "minute": 44}
